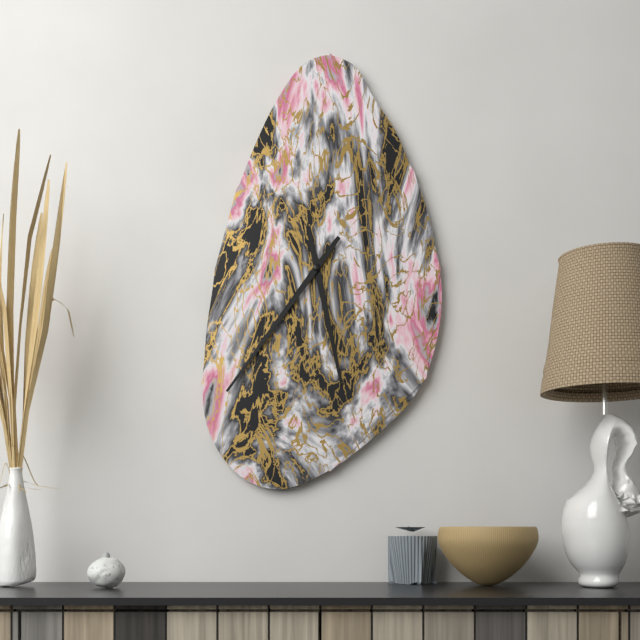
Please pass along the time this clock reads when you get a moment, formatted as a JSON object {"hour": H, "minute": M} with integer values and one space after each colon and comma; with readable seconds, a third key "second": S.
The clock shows {"hour": 5, "minute": 36}
